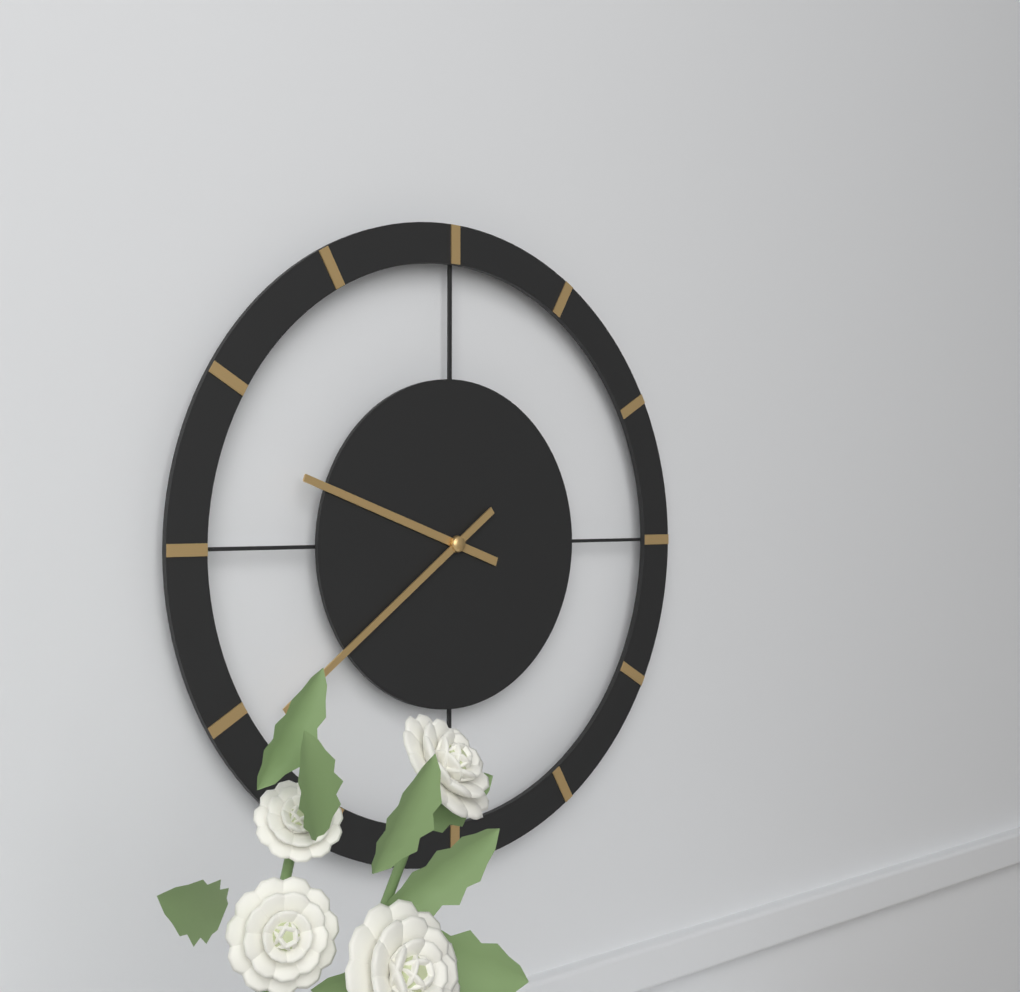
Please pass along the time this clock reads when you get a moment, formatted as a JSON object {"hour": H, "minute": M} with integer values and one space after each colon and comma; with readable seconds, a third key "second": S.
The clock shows {"hour": 9, "minute": 39}
